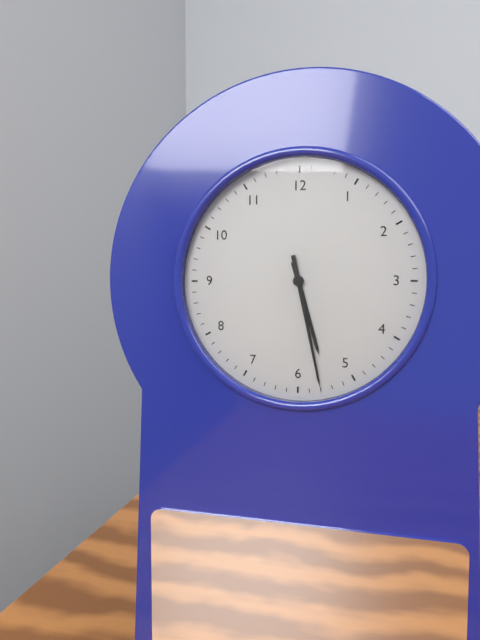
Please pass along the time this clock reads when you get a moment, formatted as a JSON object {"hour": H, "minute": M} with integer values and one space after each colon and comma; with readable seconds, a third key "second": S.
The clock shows {"hour": 5, "minute": 28}
